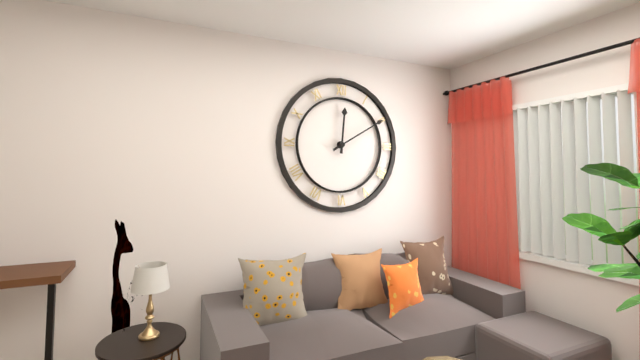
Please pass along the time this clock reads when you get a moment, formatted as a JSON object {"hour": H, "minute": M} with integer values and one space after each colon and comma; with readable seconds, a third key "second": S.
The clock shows {"hour": 12, "minute": 10}
